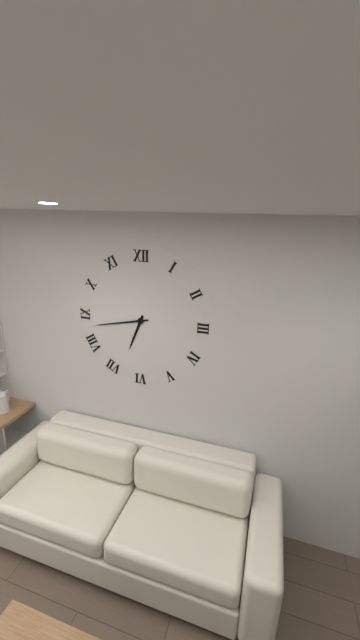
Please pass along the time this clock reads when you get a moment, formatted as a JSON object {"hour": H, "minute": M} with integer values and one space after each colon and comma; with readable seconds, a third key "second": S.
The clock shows {"hour": 6, "minute": 43}
